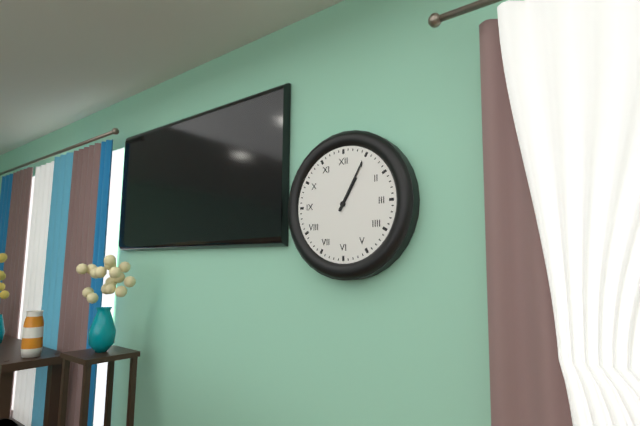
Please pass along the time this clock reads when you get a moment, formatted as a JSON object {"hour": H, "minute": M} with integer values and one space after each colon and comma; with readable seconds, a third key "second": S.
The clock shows {"hour": 1, "minute": 5}
